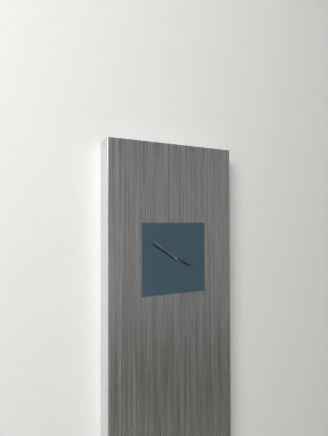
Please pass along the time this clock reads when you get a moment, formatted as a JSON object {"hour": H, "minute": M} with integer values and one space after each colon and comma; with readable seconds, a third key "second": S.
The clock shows {"hour": 3, "minute": 50}
